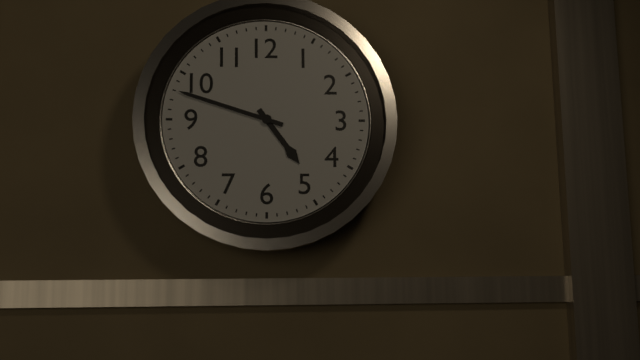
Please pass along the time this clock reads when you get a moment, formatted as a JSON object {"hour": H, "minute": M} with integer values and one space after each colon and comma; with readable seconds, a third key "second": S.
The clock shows {"hour": 4, "minute": 48}
